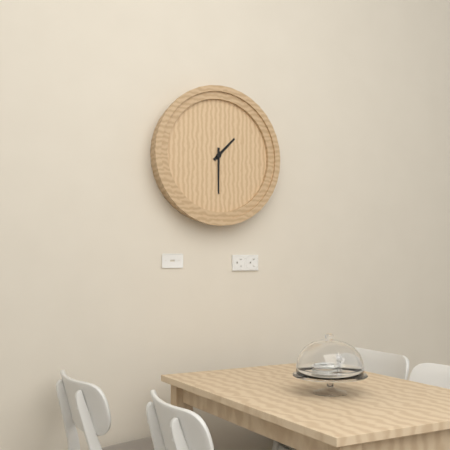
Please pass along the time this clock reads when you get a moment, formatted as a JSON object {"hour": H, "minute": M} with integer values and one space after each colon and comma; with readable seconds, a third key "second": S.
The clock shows {"hour": 1, "minute": 30}
